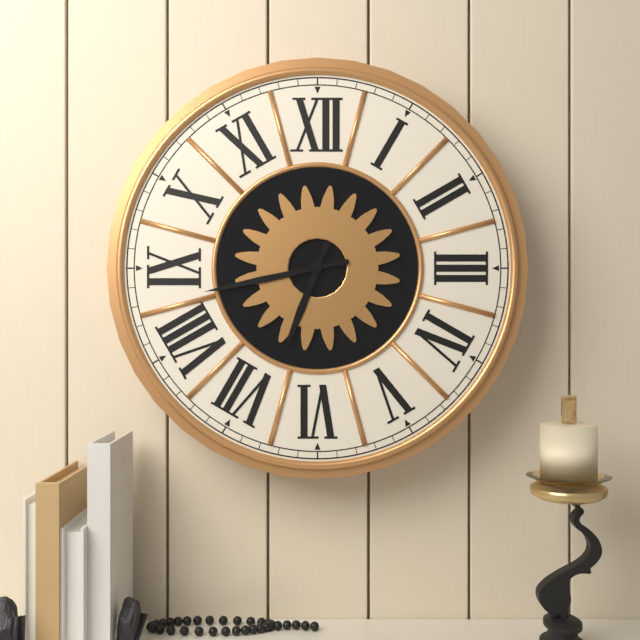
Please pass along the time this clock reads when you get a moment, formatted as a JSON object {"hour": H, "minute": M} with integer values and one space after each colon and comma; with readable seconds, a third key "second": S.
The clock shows {"hour": 6, "minute": 43}
